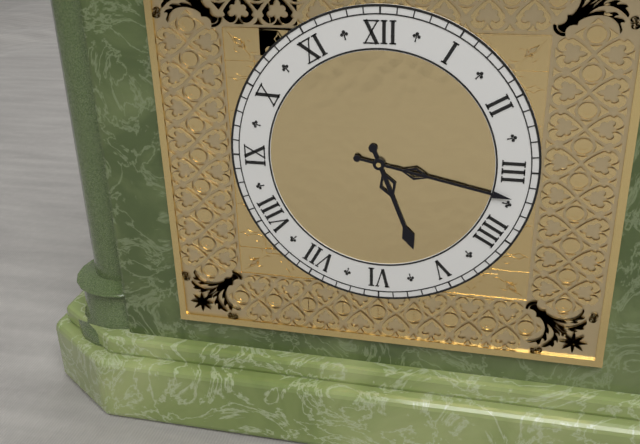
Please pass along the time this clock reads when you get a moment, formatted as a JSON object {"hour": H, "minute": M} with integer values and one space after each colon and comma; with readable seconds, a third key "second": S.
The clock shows {"hour": 5, "minute": 17}
